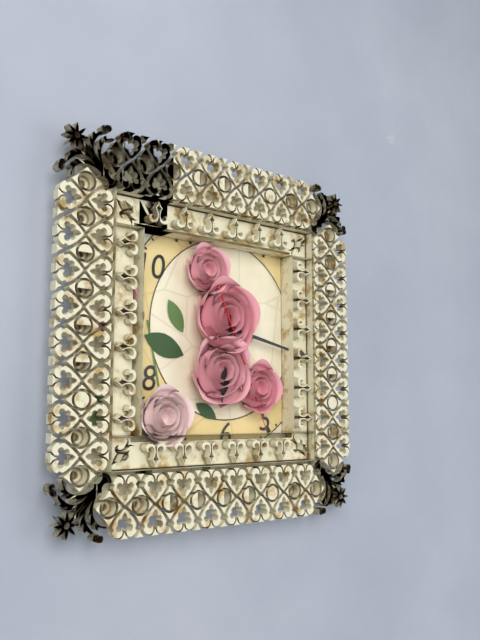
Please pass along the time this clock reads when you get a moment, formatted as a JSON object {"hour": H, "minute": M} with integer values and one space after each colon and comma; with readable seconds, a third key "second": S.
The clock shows {"hour": 6, "minute": 17, "second": 26}
